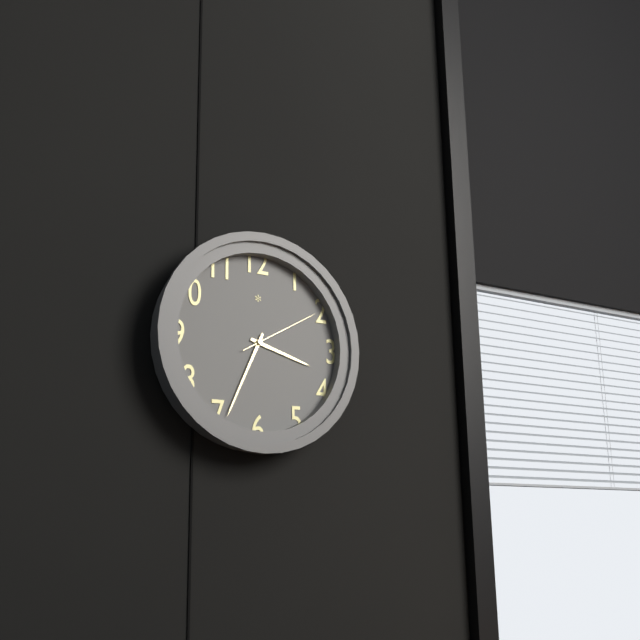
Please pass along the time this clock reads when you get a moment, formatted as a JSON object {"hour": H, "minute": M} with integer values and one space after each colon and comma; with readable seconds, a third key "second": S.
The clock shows {"hour": 3, "minute": 34, "second": 10}
